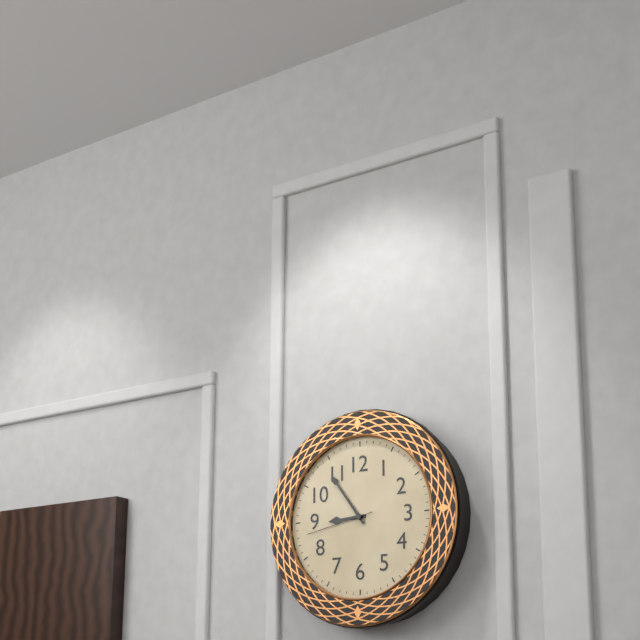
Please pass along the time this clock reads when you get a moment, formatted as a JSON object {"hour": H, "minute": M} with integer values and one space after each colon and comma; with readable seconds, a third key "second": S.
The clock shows {"hour": 8, "minute": 54, "second": 43}
